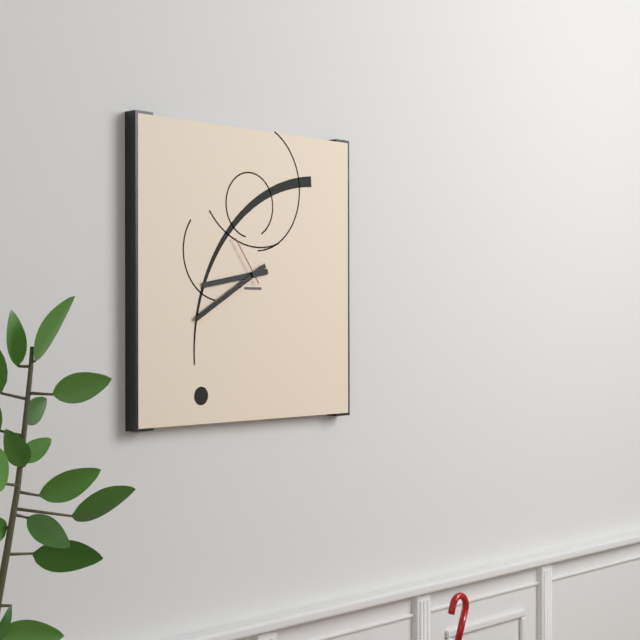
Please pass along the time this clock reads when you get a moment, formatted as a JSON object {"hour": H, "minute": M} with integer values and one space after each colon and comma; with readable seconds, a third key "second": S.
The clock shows {"hour": 8, "minute": 40, "second": 54}
